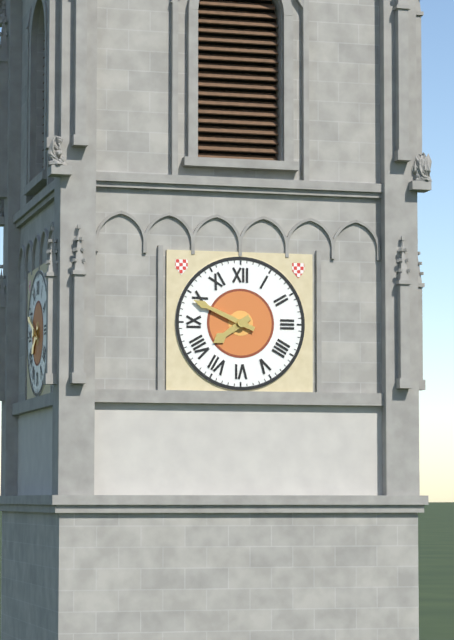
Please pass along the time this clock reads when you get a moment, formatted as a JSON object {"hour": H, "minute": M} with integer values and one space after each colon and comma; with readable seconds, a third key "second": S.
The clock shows {"hour": 7, "minute": 49}
